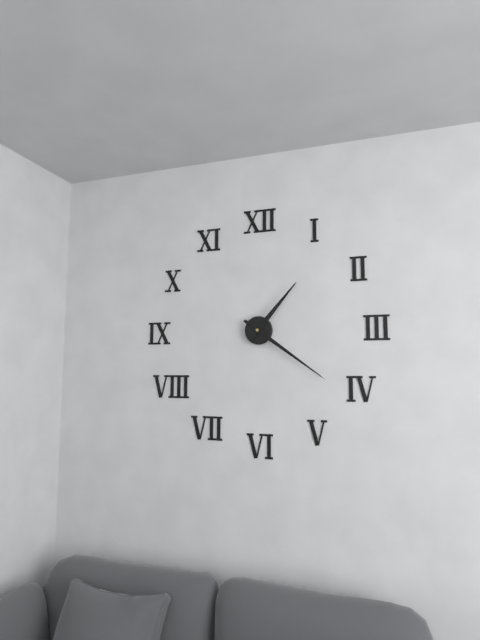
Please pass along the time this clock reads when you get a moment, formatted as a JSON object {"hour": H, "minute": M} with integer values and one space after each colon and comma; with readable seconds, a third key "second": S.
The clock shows {"hour": 1, "minute": 21}
